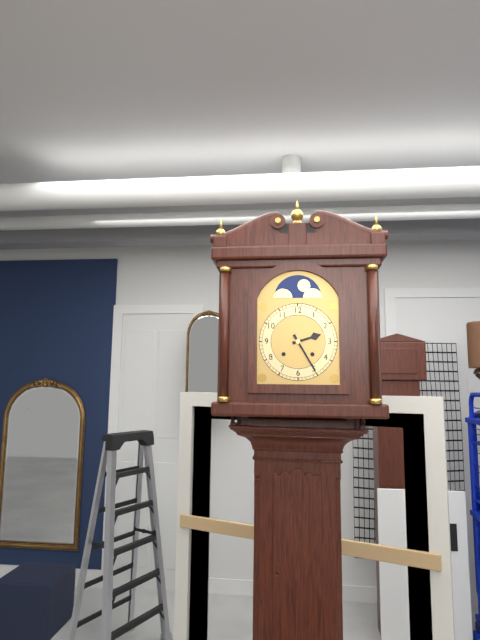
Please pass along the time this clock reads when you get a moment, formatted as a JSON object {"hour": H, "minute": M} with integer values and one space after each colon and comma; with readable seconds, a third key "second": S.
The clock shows {"hour": 2, "minute": 25}
